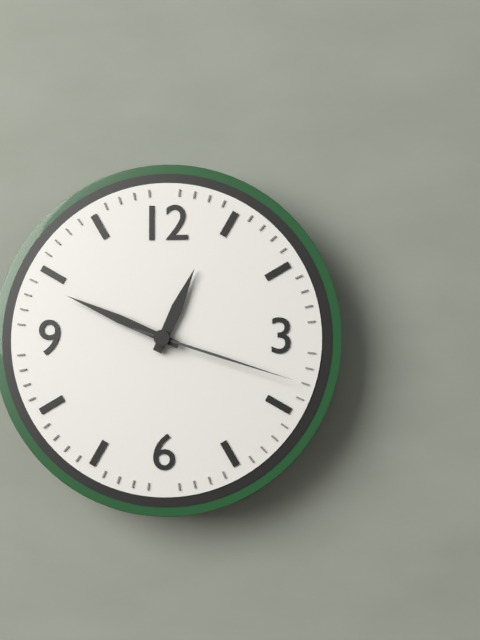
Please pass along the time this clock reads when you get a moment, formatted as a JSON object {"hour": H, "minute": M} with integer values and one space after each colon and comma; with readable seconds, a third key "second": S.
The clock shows {"hour": 12, "minute": 49, "second": 18}
